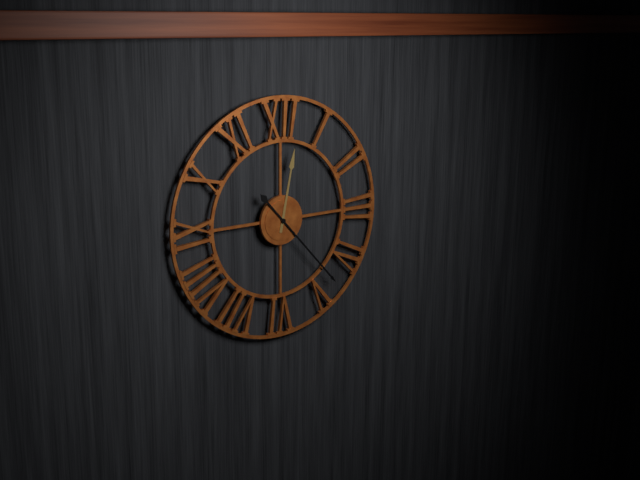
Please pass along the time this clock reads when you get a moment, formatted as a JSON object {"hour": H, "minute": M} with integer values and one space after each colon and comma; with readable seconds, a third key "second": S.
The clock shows {"hour": 12, "minute": 23}
